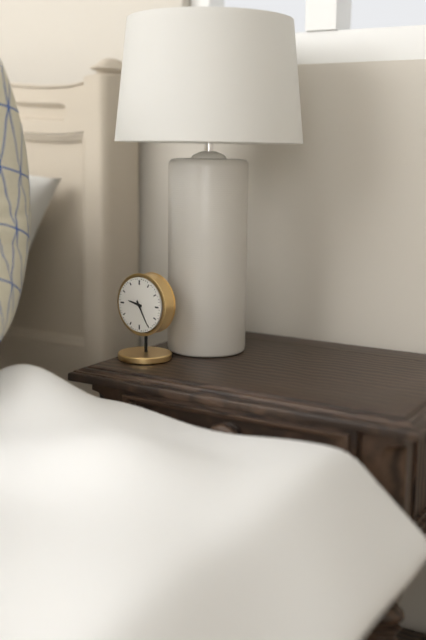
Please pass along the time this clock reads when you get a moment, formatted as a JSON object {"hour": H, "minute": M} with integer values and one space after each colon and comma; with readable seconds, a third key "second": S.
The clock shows {"hour": 9, "minute": 25}
